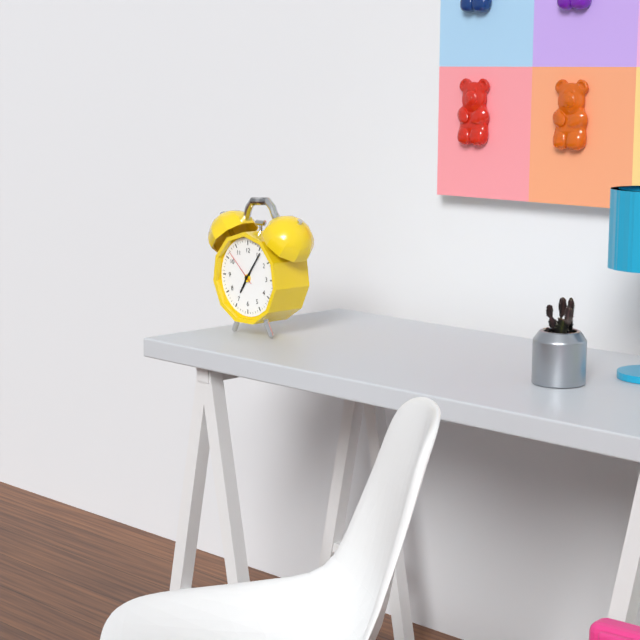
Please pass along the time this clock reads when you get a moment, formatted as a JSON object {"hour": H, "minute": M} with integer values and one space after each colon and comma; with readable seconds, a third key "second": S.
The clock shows {"hour": 7, "minute": 6}
